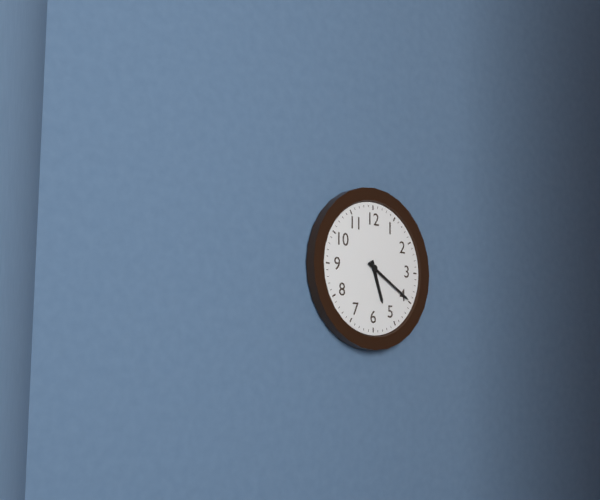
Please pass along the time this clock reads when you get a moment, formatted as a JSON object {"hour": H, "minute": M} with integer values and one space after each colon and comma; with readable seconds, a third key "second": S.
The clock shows {"hour": 5, "minute": 20}
